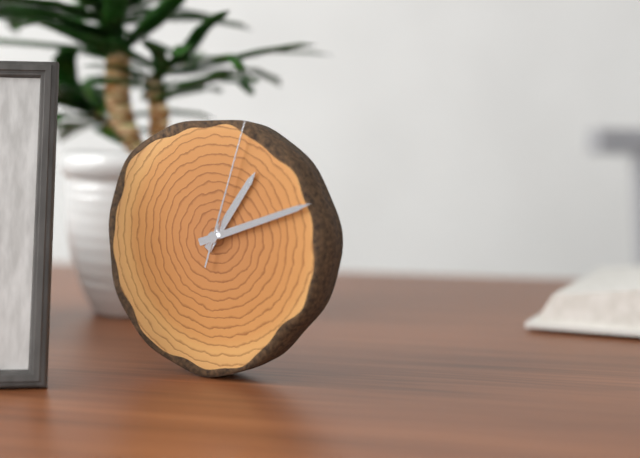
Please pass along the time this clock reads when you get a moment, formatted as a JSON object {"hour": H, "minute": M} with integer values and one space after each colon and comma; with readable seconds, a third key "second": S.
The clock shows {"hour": 1, "minute": 12, "second": 3}
